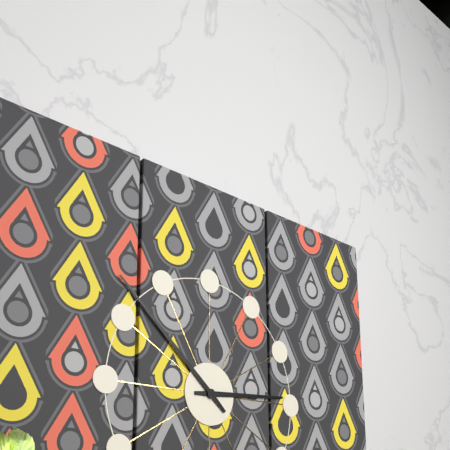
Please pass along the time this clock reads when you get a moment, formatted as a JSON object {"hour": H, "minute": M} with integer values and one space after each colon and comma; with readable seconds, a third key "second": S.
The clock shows {"hour": 2, "minute": 52}
